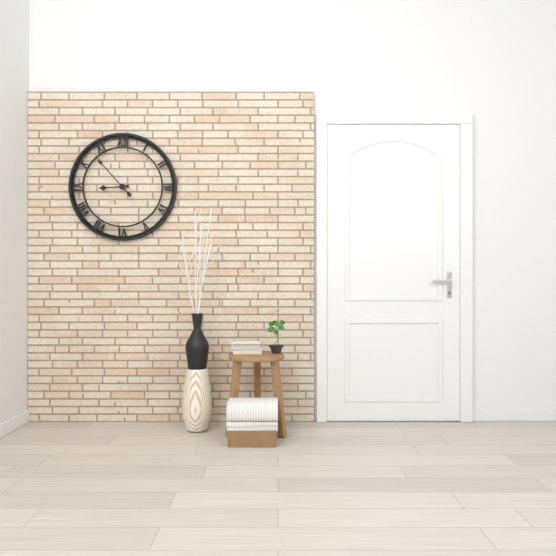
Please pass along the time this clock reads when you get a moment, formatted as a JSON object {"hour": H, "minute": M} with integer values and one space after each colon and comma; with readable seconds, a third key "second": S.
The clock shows {"hour": 8, "minute": 53}
